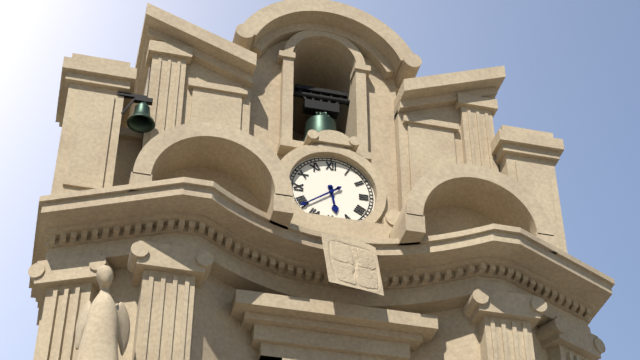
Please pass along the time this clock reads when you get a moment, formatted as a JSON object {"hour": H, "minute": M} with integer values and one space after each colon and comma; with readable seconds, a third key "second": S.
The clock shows {"hour": 5, "minute": 39}
